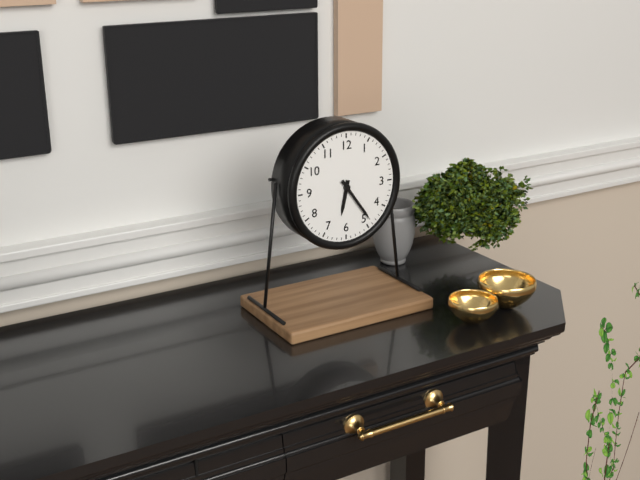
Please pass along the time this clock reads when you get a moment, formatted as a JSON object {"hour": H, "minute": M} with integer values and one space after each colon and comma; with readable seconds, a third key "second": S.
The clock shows {"hour": 6, "minute": 24}
